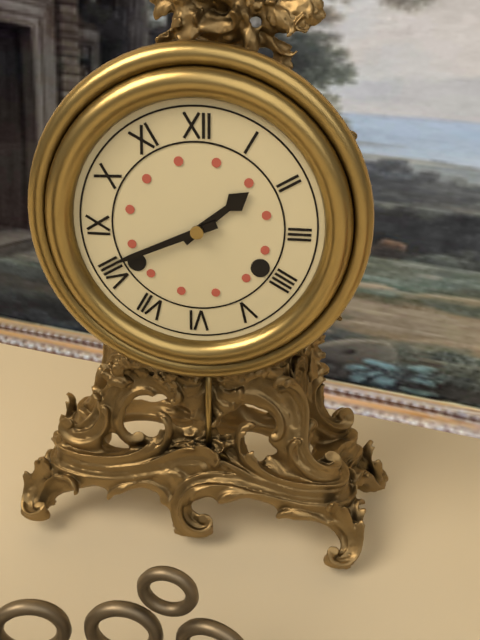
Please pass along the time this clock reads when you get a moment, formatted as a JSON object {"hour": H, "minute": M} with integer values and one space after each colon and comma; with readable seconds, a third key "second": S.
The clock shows {"hour": 1, "minute": 41}
